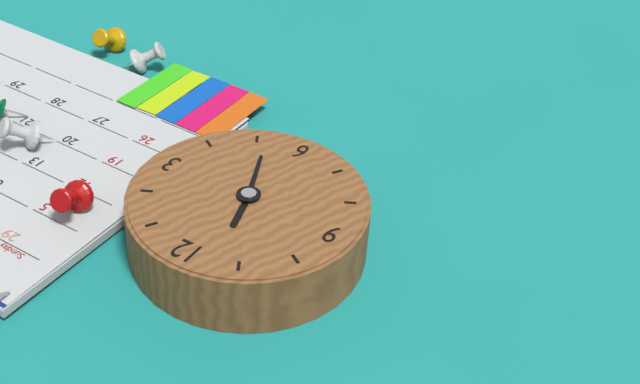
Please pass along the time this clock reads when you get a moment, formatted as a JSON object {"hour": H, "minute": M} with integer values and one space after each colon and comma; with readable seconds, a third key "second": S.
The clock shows {"hour": 11, "minute": 26}
